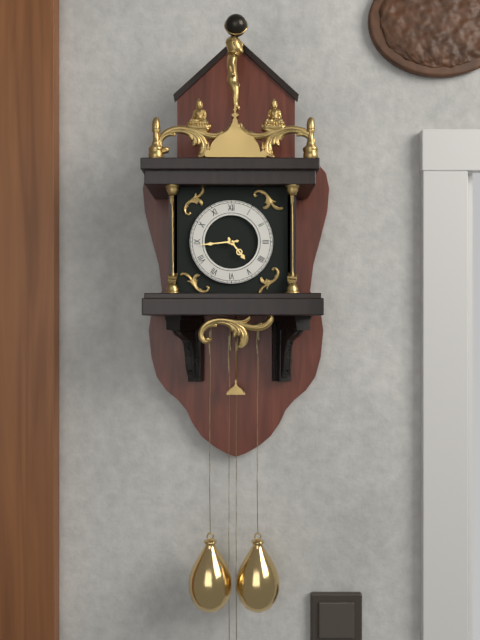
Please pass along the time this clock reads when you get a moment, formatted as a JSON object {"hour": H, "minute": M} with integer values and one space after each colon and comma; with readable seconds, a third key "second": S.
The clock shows {"hour": 4, "minute": 44}
